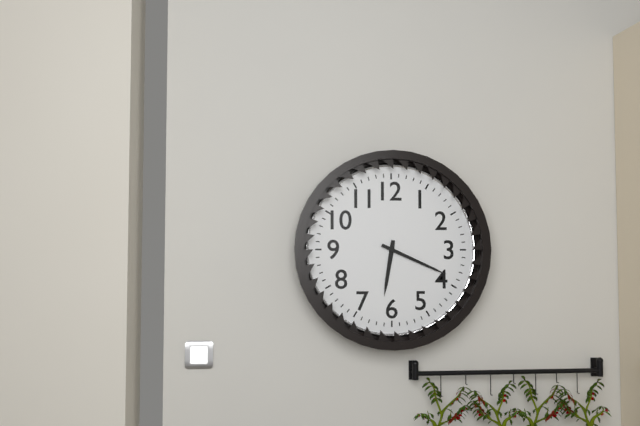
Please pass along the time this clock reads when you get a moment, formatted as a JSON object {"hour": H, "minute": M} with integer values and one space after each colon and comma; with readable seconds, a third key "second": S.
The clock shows {"hour": 6, "minute": 19}
